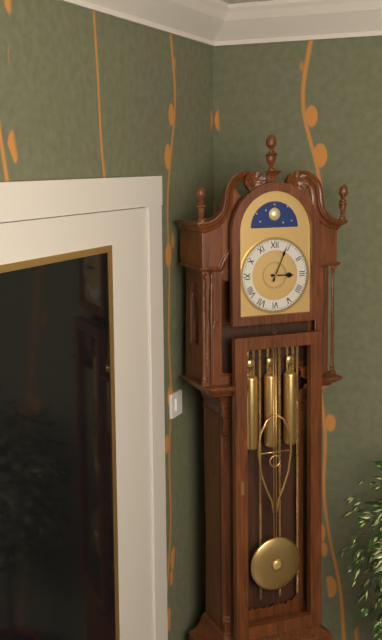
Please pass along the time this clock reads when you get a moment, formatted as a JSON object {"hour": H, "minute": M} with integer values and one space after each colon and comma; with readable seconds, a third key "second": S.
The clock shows {"hour": 3, "minute": 4}
